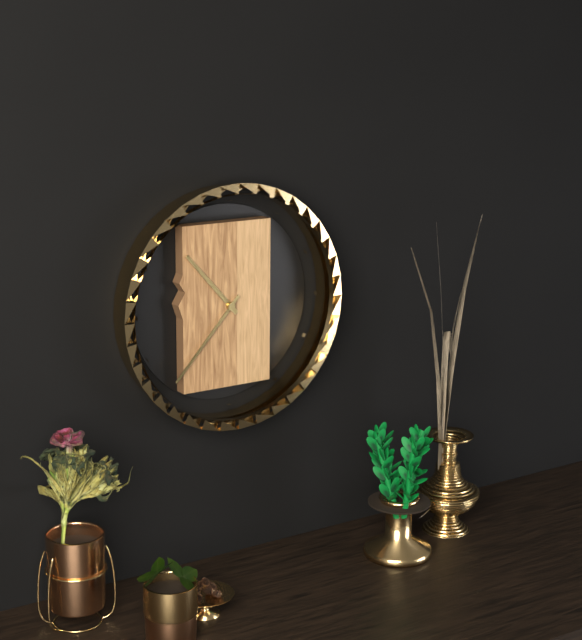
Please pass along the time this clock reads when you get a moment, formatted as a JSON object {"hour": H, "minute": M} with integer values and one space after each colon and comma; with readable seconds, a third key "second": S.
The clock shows {"hour": 10, "minute": 37}
